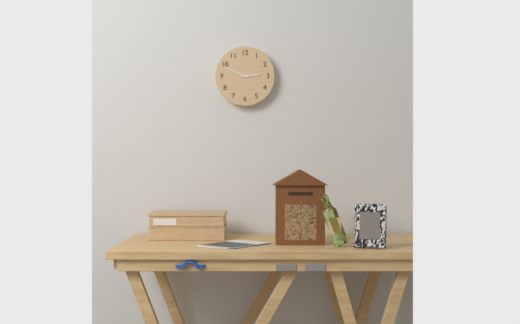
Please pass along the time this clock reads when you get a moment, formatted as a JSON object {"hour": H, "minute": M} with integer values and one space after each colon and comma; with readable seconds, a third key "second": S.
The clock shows {"hour": 2, "minute": 49}
